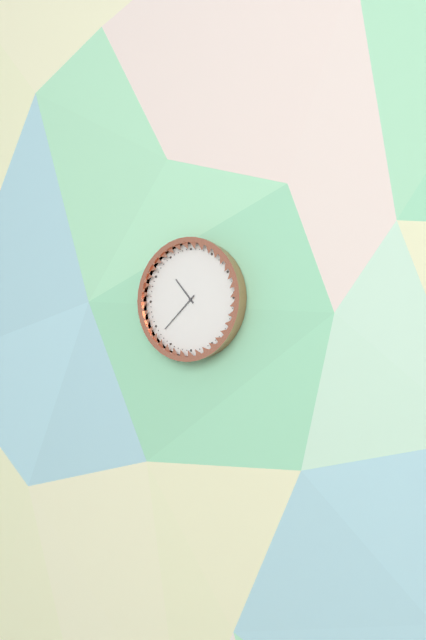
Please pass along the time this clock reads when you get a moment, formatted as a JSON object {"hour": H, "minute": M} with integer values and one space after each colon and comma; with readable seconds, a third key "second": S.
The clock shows {"hour": 10, "minute": 38}
